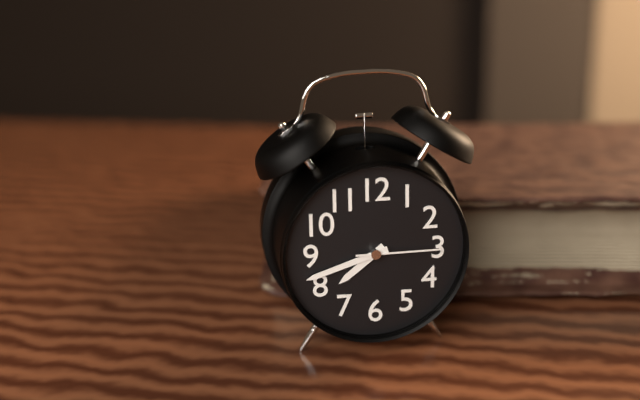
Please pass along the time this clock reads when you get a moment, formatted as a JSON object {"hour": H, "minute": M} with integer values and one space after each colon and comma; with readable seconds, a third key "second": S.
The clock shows {"hour": 7, "minute": 42, "second": 15}
